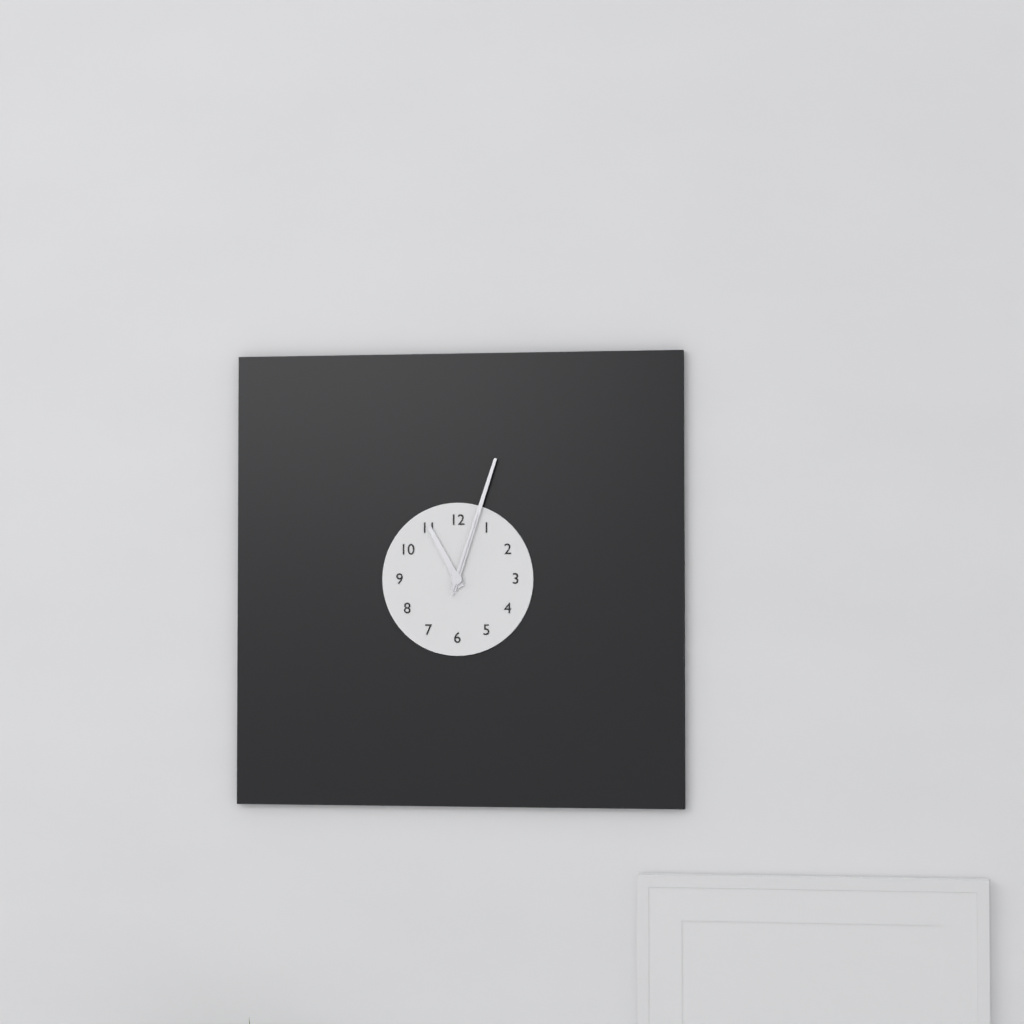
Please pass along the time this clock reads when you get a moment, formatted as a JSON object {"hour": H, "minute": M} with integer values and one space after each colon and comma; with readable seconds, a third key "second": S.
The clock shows {"hour": 11, "minute": 3, "second": 3}
